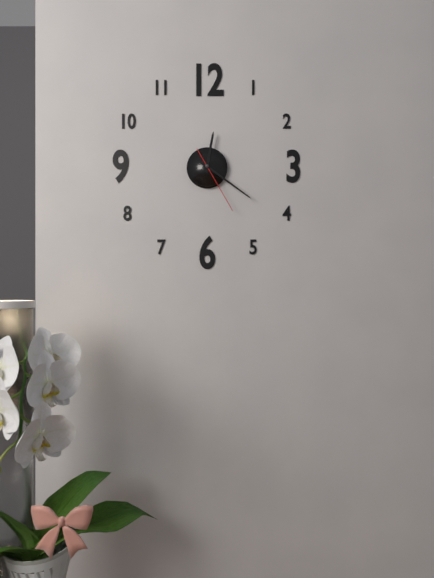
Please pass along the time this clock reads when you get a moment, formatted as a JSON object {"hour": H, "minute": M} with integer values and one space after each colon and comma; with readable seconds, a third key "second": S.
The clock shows {"hour": 12, "minute": 21, "second": 25}
